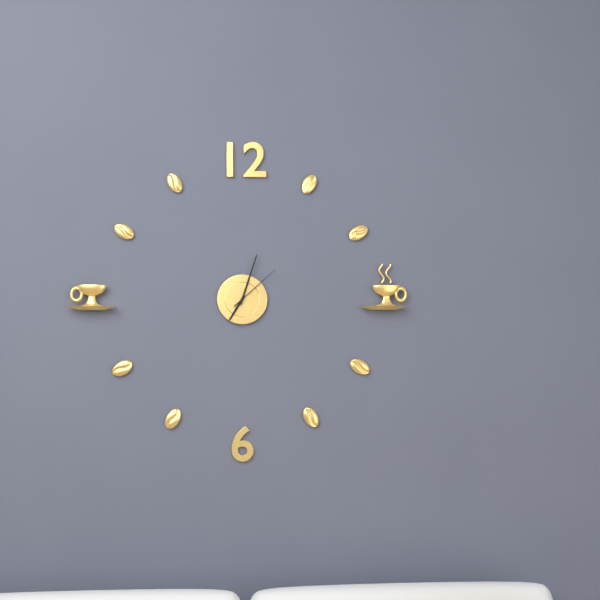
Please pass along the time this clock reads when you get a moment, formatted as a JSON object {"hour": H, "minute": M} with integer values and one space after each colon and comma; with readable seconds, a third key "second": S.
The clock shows {"hour": 7, "minute": 3, "second": 8}
